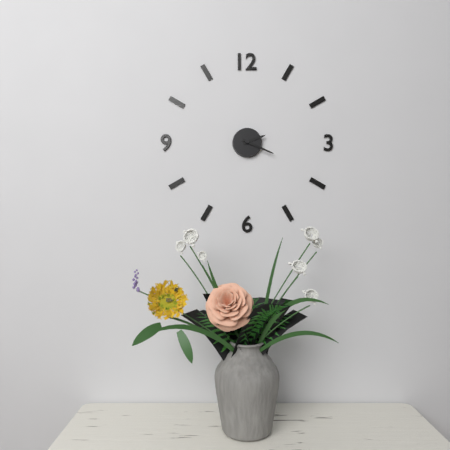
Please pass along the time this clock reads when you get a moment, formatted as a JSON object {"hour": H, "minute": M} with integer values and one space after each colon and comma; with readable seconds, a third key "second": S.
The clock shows {"hour": 2, "minute": 19}
